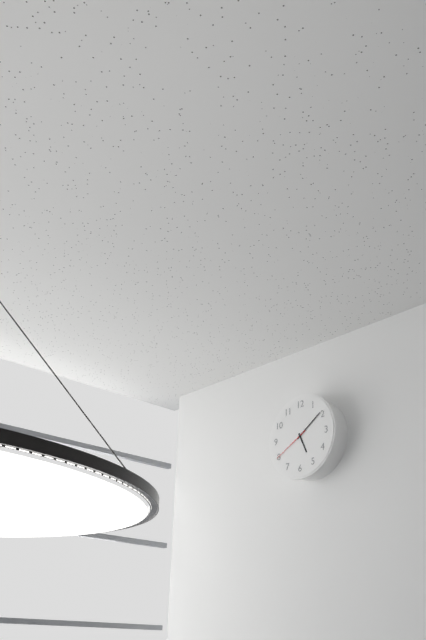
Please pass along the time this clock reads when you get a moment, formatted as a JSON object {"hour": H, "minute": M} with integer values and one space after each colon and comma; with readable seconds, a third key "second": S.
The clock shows {"hour": 5, "minute": 9}
